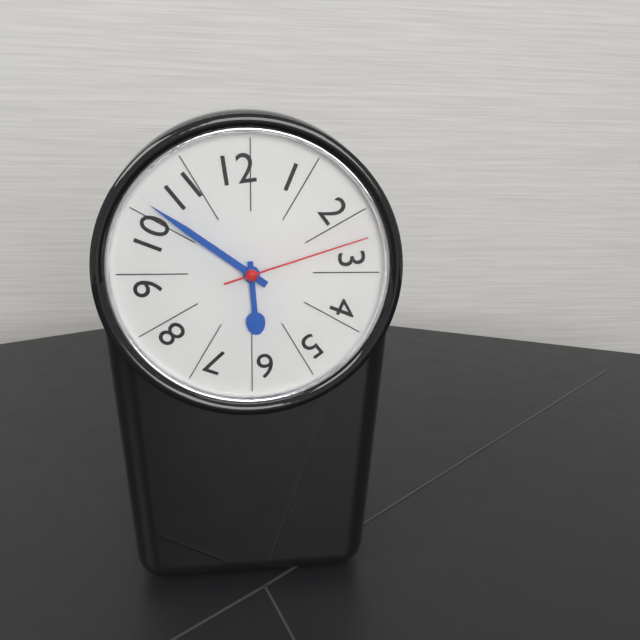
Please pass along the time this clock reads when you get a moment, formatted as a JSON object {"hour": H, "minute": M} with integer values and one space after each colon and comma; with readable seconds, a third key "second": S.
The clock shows {"hour": 5, "minute": 51, "second": 12}
